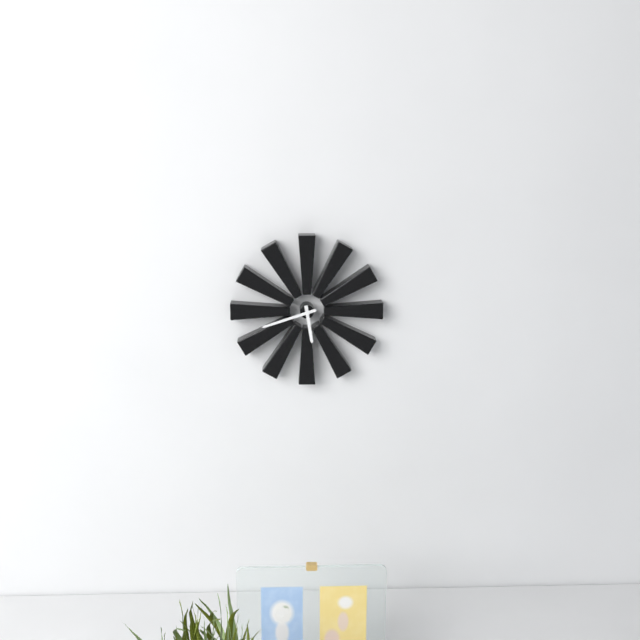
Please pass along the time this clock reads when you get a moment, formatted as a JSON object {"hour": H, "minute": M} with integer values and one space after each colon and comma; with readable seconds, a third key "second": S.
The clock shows {"hour": 5, "minute": 42}
